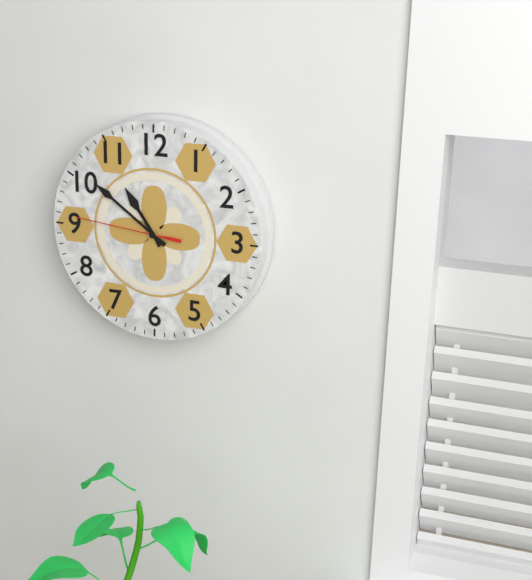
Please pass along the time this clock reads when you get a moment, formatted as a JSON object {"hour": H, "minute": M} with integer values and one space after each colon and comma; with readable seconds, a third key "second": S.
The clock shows {"hour": 10, "minute": 51, "second": 46}
